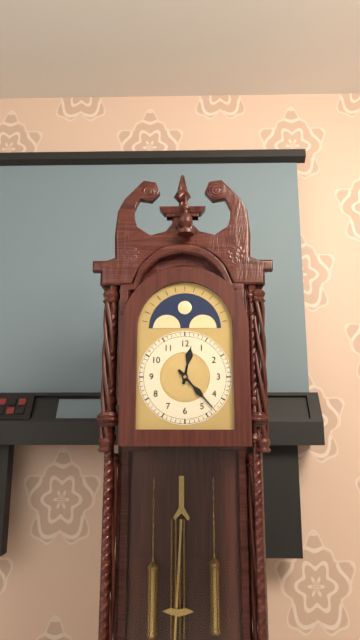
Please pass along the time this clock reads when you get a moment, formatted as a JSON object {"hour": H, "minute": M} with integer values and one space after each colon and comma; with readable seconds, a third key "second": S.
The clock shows {"hour": 12, "minute": 23}
